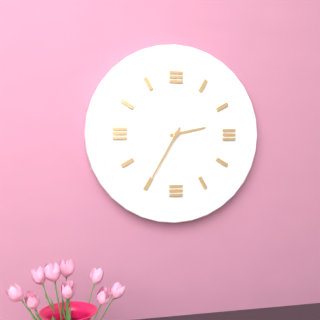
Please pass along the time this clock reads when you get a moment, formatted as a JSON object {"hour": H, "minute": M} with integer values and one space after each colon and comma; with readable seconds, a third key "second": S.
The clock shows {"hour": 2, "minute": 35}
